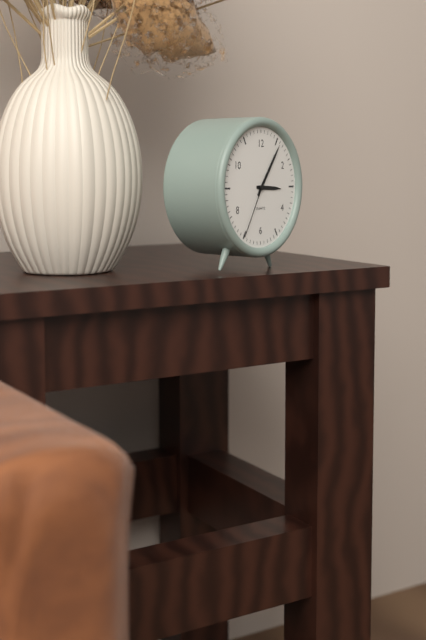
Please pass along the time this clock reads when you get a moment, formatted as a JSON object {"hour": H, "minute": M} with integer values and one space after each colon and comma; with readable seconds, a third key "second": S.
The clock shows {"hour": 3, "minute": 6, "second": 35}
